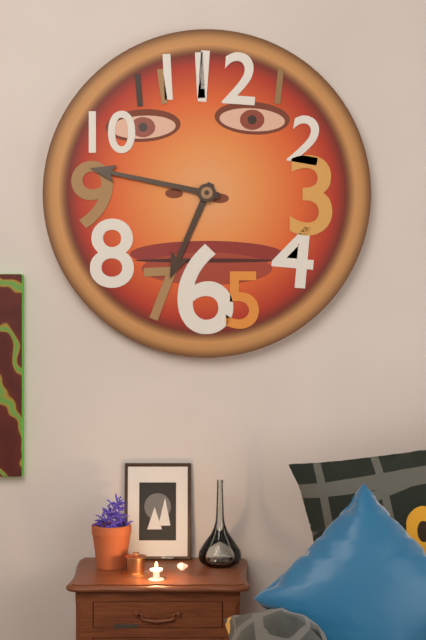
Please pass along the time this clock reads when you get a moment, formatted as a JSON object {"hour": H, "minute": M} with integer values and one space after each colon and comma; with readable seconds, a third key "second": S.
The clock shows {"hour": 6, "minute": 47}
